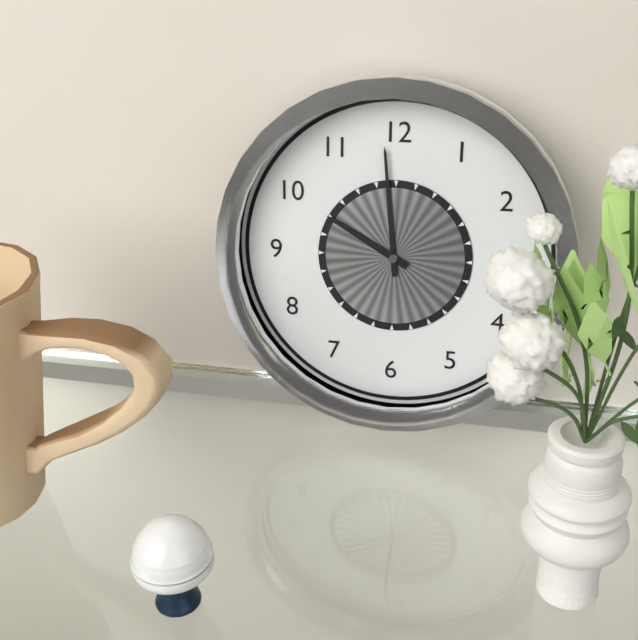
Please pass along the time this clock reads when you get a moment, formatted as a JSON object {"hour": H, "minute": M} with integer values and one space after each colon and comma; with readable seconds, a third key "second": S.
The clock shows {"hour": 9, "minute": 59}
